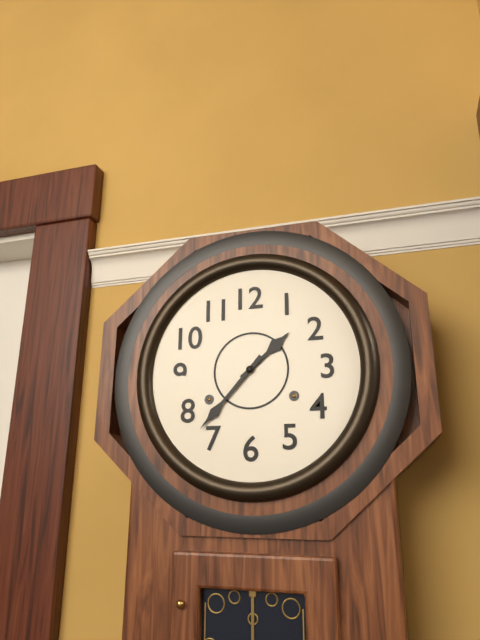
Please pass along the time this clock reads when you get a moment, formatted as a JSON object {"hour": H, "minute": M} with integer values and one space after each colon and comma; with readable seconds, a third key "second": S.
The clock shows {"hour": 1, "minute": 37}
